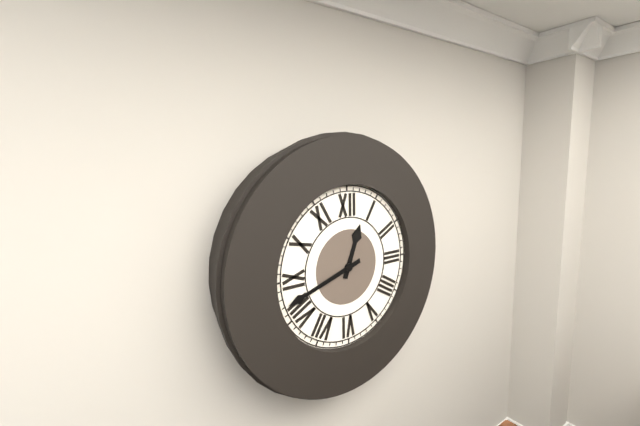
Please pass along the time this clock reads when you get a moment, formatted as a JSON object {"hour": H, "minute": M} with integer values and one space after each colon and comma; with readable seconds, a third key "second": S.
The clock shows {"hour": 12, "minute": 42}
